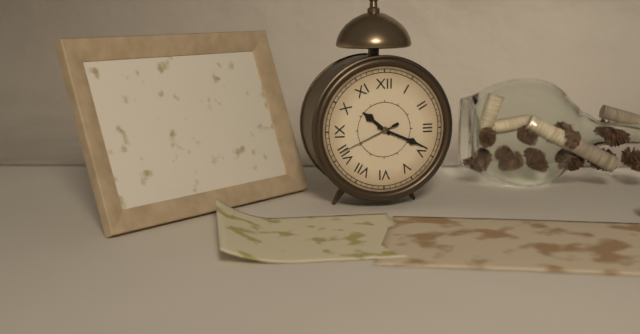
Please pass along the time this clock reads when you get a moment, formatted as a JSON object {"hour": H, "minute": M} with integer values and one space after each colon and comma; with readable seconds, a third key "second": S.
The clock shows {"hour": 10, "minute": 19, "second": 41}
